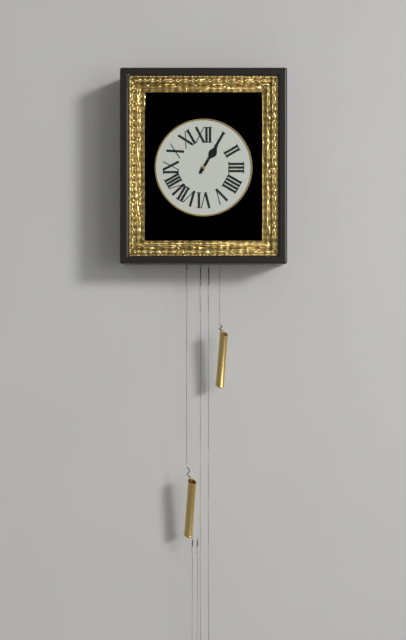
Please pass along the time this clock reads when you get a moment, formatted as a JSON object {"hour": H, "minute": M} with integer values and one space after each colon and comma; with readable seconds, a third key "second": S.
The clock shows {"hour": 1, "minute": 5}
